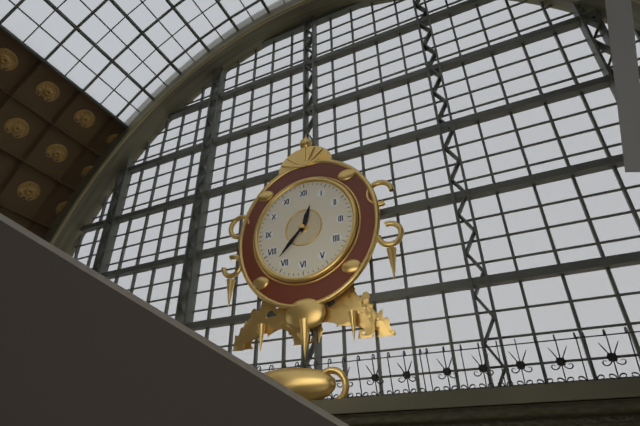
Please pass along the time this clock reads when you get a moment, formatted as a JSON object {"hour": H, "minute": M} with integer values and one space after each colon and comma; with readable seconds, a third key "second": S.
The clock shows {"hour": 12, "minute": 37}
